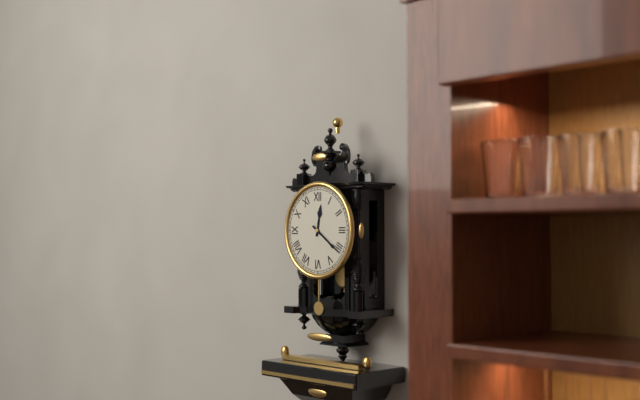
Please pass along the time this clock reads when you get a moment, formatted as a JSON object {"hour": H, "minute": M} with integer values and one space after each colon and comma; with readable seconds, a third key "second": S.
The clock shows {"hour": 12, "minute": 21}
